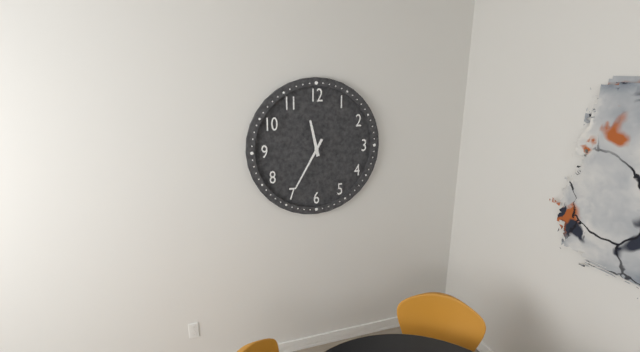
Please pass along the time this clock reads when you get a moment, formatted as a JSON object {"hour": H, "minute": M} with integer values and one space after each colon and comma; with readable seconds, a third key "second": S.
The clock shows {"hour": 11, "minute": 35}
